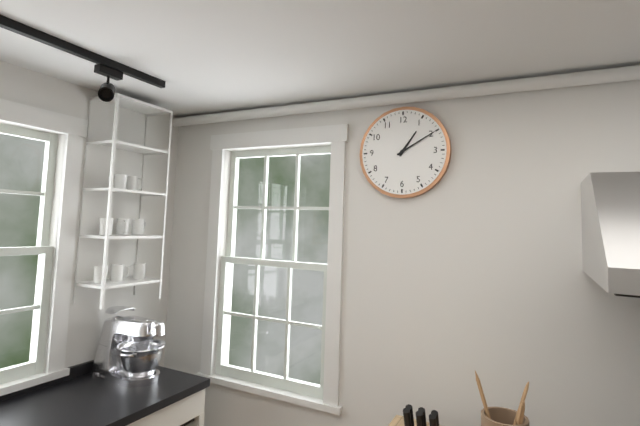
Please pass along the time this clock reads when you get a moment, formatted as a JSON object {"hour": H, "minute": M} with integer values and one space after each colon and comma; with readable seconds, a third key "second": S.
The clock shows {"hour": 1, "minute": 10}
